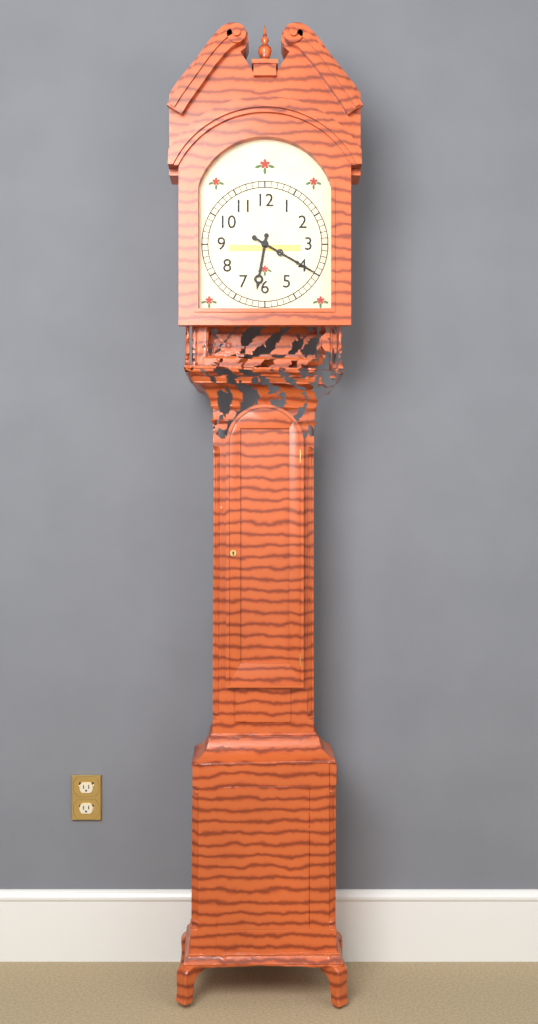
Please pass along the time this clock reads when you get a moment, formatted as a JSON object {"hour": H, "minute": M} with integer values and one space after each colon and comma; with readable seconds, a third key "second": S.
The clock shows {"hour": 6, "minute": 20}
